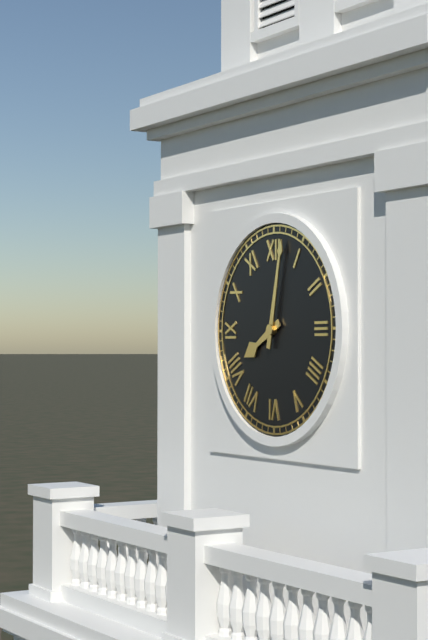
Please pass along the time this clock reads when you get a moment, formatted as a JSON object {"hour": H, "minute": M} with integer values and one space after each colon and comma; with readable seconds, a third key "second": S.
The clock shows {"hour": 8, "minute": 2}
